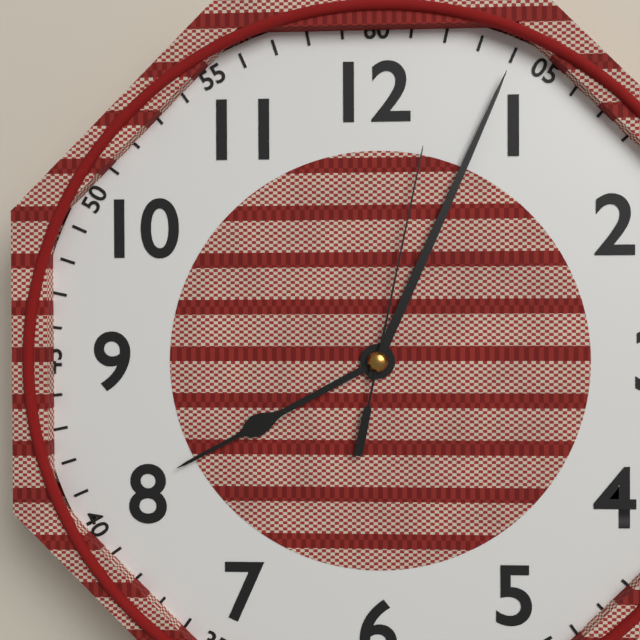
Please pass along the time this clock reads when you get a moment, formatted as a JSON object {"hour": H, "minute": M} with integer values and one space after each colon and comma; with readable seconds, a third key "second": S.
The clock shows {"hour": 8, "minute": 4, "second": 2}
